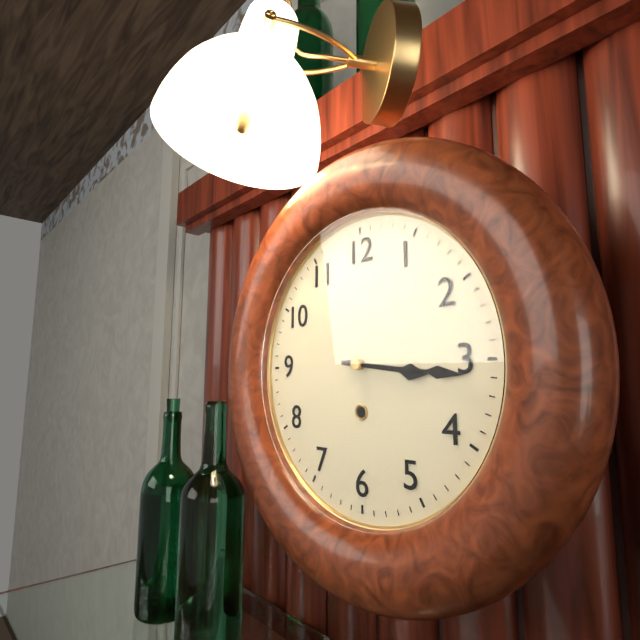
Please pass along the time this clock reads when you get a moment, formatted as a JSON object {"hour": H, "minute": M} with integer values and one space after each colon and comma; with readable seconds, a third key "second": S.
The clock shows {"hour": 3, "minute": 16}
